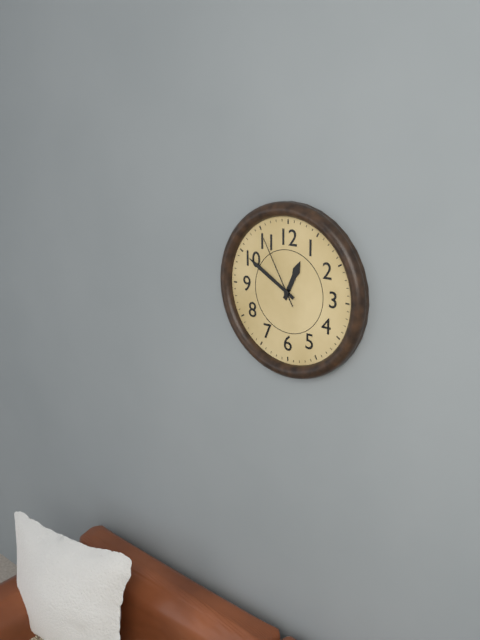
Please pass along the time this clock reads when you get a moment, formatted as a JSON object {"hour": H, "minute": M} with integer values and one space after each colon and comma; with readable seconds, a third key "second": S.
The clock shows {"hour": 12, "minute": 50, "second": 55}
